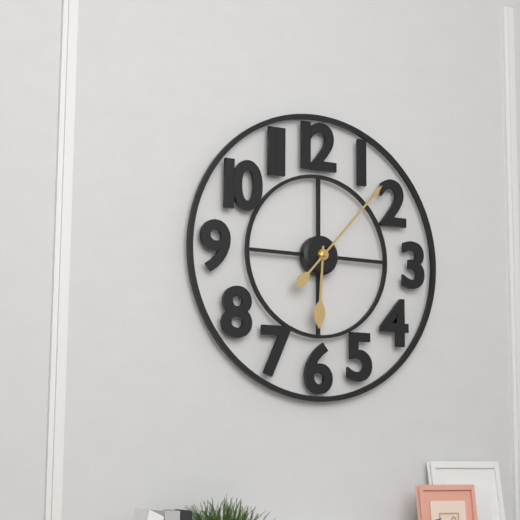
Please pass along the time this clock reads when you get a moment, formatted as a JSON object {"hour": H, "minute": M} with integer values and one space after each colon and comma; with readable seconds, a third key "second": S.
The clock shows {"hour": 6, "minute": 7}
